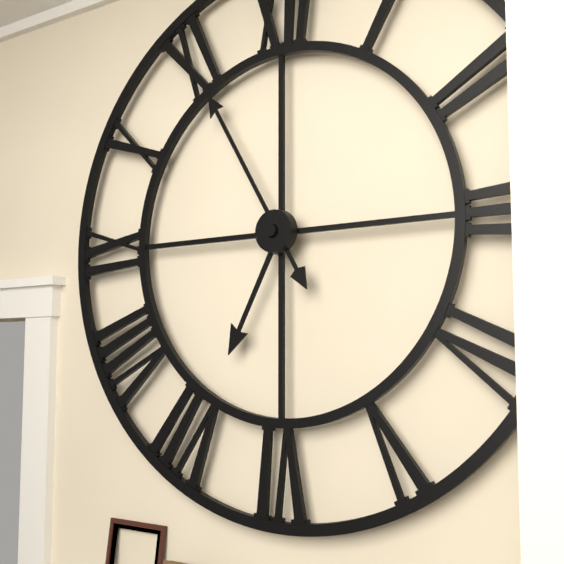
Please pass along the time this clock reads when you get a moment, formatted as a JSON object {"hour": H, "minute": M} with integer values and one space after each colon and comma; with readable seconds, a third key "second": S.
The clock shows {"hour": 6, "minute": 55}
